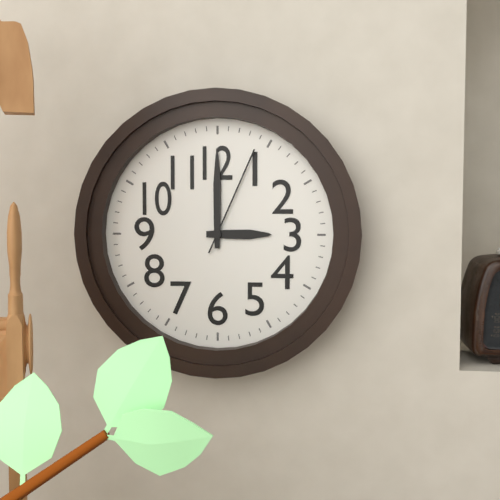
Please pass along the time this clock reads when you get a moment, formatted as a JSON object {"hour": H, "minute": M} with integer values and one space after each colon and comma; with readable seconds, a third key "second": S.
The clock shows {"hour": 3, "minute": 0, "second": 4}
